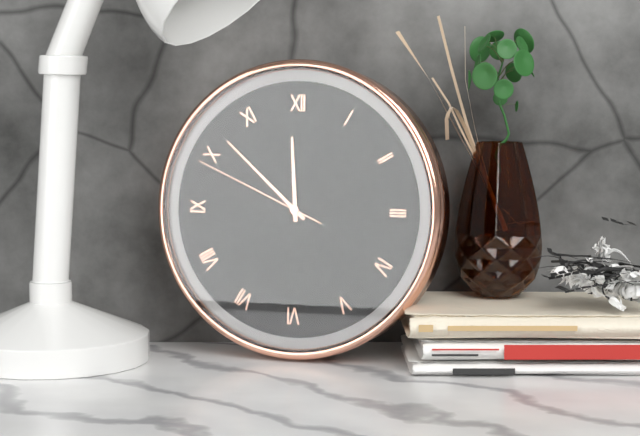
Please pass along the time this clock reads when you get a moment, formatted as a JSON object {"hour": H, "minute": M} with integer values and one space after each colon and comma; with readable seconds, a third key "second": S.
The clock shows {"hour": 11, "minute": 52, "second": 49}
